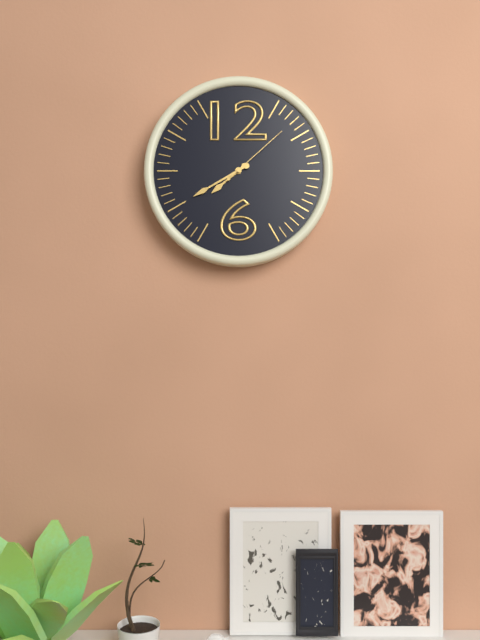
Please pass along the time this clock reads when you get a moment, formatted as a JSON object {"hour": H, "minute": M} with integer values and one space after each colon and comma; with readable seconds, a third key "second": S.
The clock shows {"hour": 7, "minute": 40, "second": 8}
